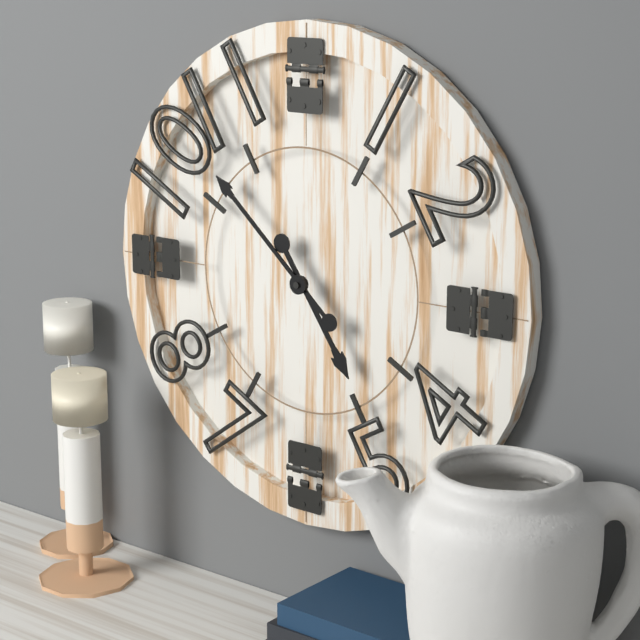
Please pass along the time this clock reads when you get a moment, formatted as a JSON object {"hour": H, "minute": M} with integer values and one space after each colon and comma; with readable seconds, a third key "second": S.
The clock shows {"hour": 4, "minute": 52}
